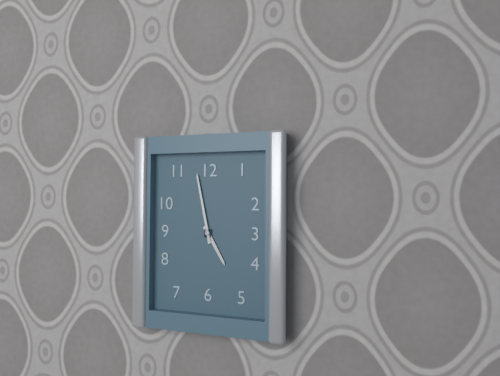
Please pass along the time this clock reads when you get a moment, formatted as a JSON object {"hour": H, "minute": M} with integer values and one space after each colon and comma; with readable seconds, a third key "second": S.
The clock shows {"hour": 4, "minute": 58}
